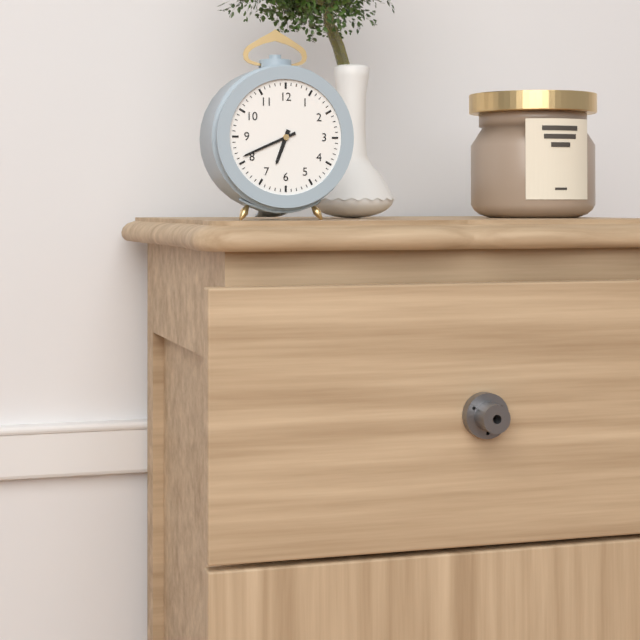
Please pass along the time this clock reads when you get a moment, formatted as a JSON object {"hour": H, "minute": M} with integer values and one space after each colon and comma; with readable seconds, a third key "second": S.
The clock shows {"hour": 6, "minute": 41}
